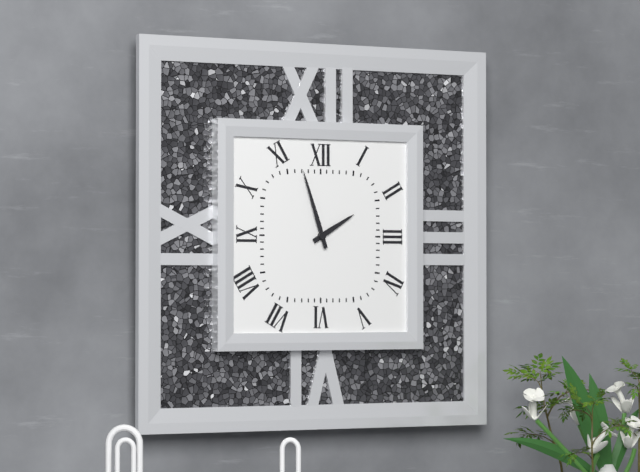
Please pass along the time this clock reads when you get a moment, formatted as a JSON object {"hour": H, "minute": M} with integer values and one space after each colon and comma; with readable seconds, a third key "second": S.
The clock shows {"hour": 1, "minute": 57}
